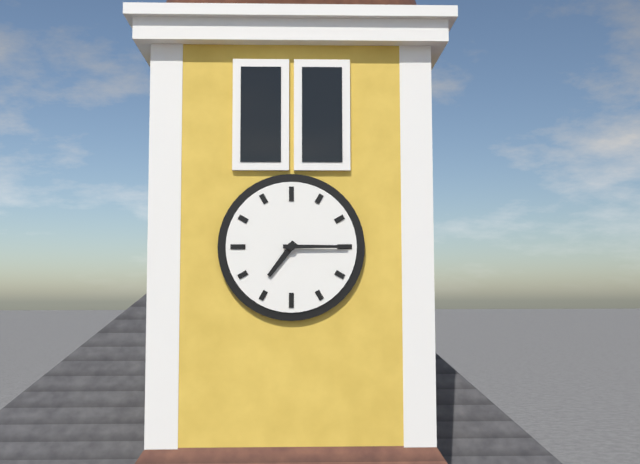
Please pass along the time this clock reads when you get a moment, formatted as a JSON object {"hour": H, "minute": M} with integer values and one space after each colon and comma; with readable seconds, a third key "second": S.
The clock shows {"hour": 7, "minute": 15}
